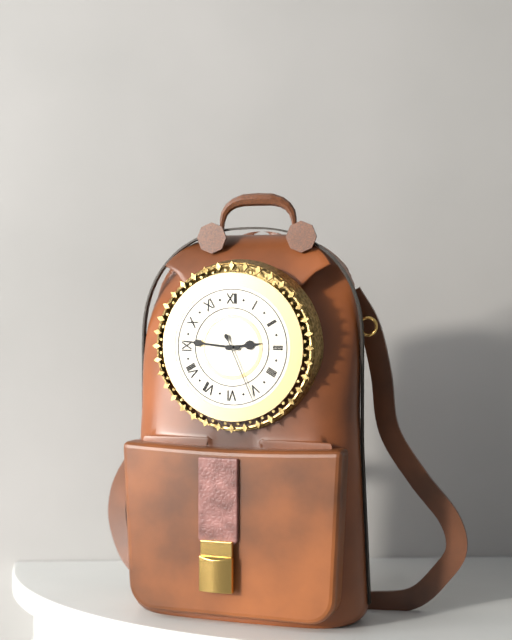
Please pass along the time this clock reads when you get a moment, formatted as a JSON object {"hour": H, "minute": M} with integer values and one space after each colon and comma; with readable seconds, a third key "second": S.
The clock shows {"hour": 2, "minute": 46, "second": 26}
